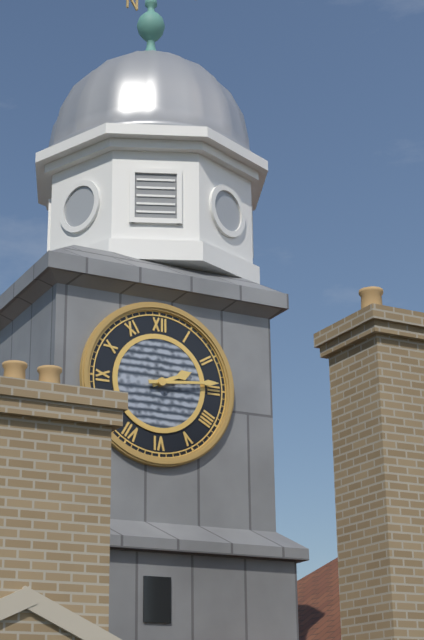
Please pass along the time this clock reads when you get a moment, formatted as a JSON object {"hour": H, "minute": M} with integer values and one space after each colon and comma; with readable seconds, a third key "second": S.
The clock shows {"hour": 2, "minute": 14}
